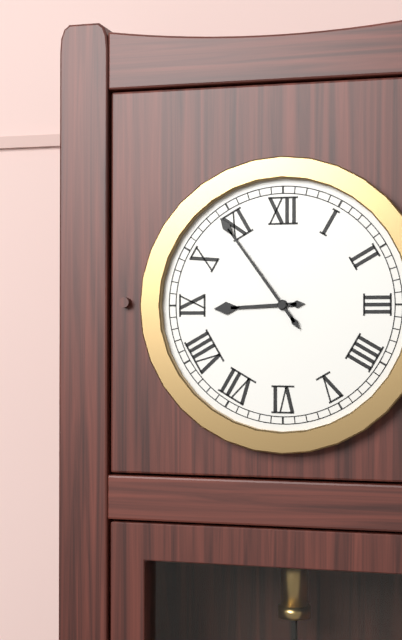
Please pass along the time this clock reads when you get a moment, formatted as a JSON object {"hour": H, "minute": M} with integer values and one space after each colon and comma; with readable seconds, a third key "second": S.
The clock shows {"hour": 8, "minute": 54}
